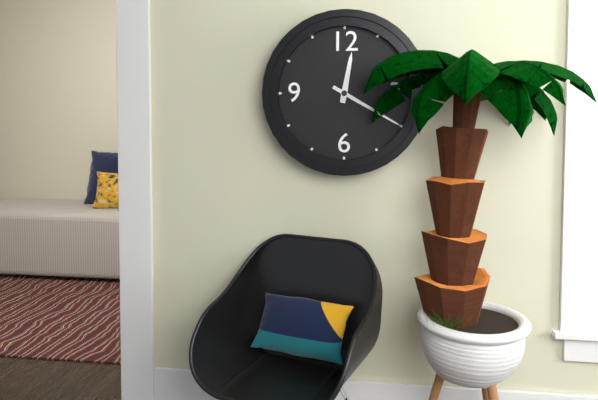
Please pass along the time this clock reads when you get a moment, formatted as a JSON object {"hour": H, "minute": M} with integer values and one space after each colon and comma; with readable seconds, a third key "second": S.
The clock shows {"hour": 12, "minute": 20}
